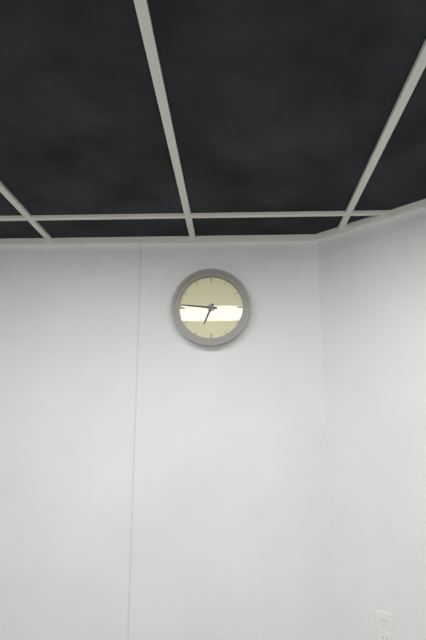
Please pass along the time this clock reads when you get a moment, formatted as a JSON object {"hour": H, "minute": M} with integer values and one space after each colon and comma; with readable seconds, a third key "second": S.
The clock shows {"hour": 6, "minute": 46}
